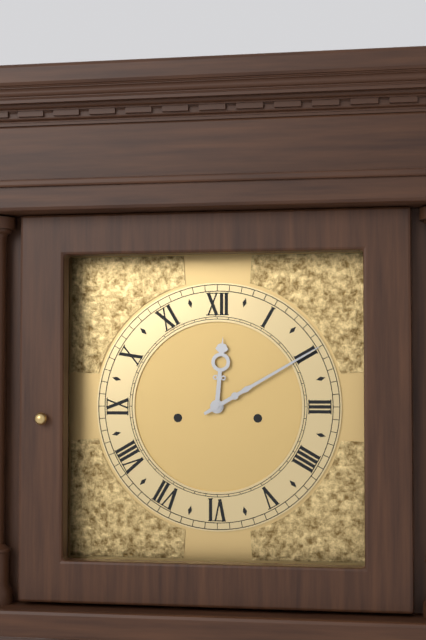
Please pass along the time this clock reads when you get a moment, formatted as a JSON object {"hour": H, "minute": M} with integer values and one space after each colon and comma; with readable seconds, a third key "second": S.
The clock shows {"hour": 12, "minute": 10}
